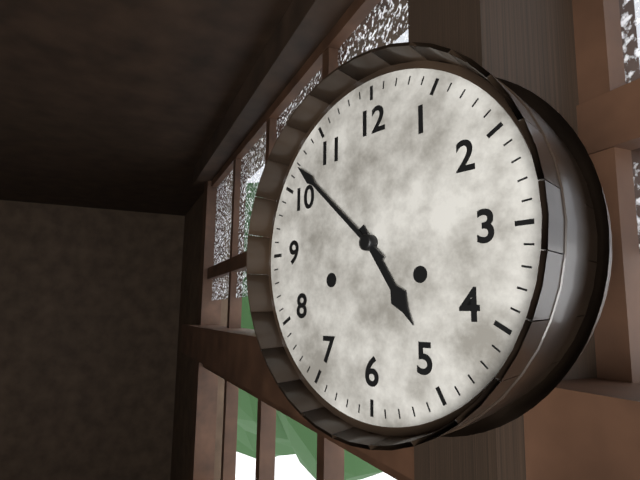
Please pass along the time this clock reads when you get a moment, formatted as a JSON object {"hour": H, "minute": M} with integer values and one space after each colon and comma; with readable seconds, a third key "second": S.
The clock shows {"hour": 4, "minute": 52}
